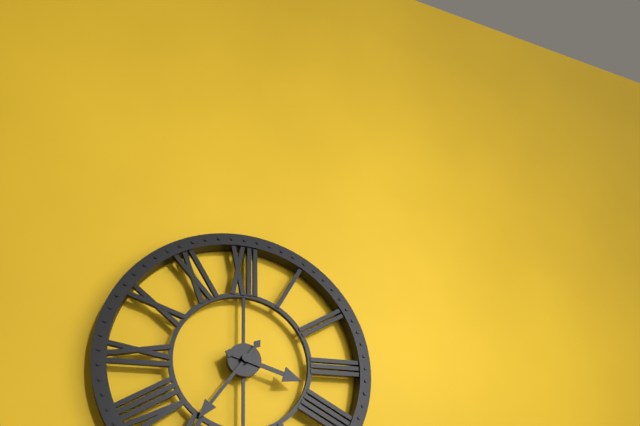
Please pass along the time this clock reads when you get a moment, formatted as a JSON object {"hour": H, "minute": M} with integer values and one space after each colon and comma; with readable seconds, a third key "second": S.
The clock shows {"hour": 3, "minute": 36}
